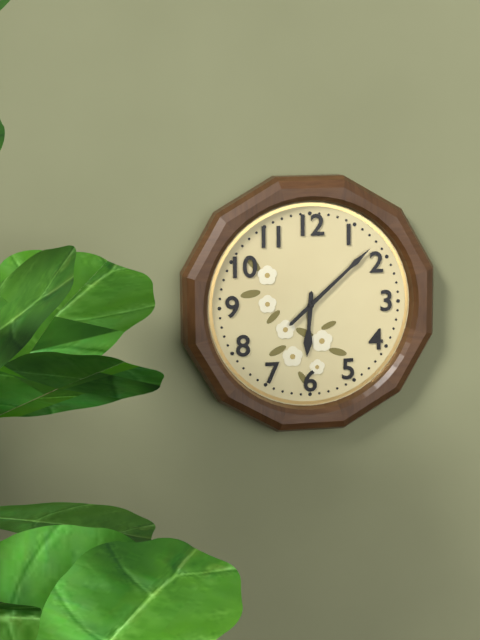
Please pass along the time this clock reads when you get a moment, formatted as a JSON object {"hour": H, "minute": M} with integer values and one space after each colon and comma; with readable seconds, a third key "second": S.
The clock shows {"hour": 6, "minute": 8}
